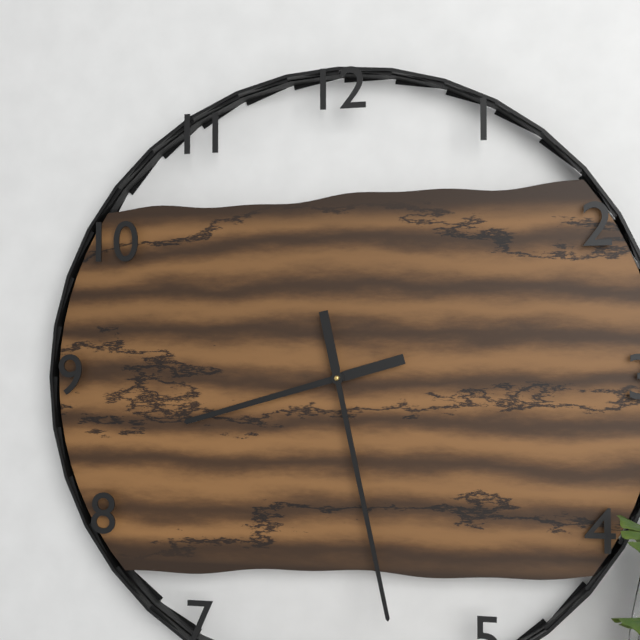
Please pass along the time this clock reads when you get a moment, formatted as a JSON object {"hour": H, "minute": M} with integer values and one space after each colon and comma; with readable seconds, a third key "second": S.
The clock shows {"hour": 8, "minute": 28}
